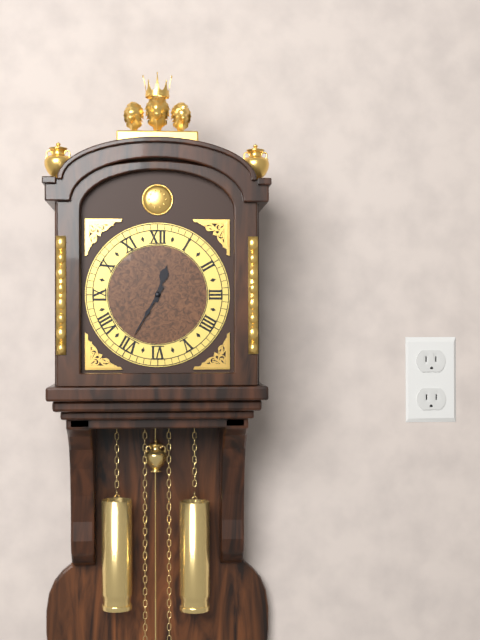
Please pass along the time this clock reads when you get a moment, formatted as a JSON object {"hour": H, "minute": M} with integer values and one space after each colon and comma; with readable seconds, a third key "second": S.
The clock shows {"hour": 12, "minute": 35}
